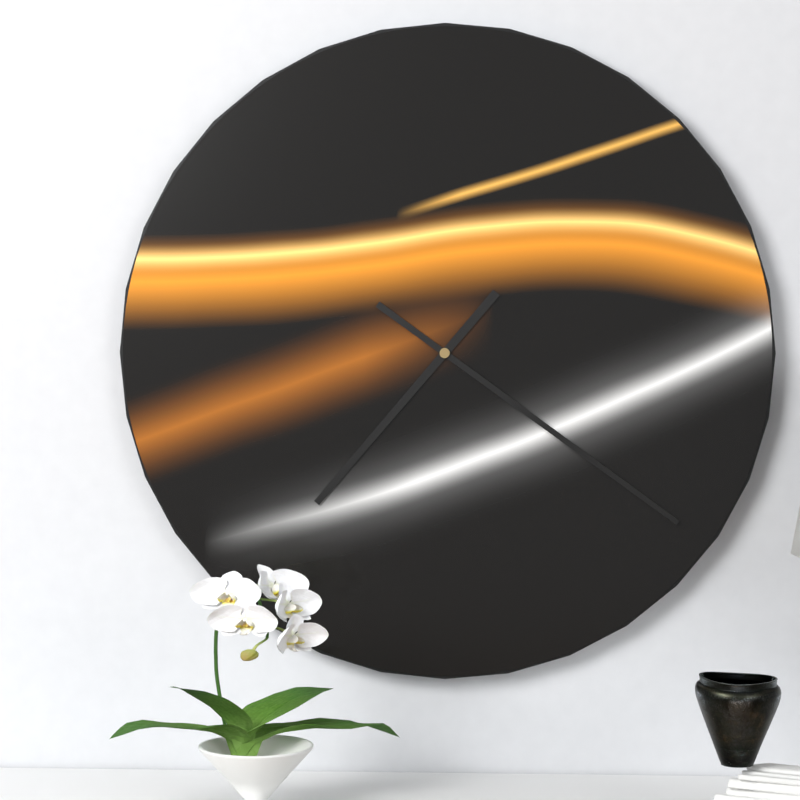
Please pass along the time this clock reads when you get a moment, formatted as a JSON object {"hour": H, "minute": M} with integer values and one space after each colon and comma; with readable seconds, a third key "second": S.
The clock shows {"hour": 7, "minute": 21}
